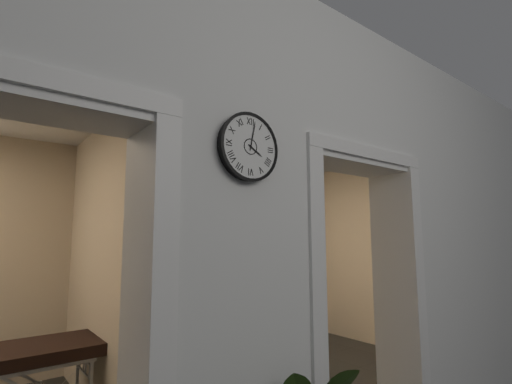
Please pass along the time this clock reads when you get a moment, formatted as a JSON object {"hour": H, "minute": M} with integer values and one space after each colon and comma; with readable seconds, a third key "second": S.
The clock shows {"hour": 4, "minute": 2}
